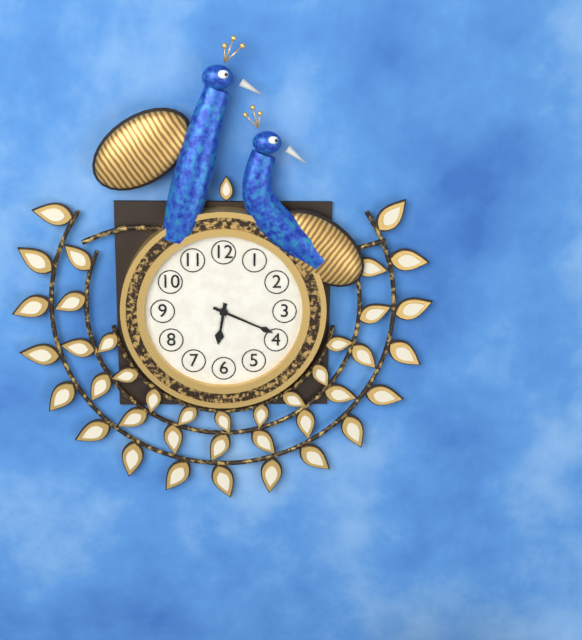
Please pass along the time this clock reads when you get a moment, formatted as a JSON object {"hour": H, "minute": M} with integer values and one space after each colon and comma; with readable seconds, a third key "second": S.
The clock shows {"hour": 6, "minute": 19}
